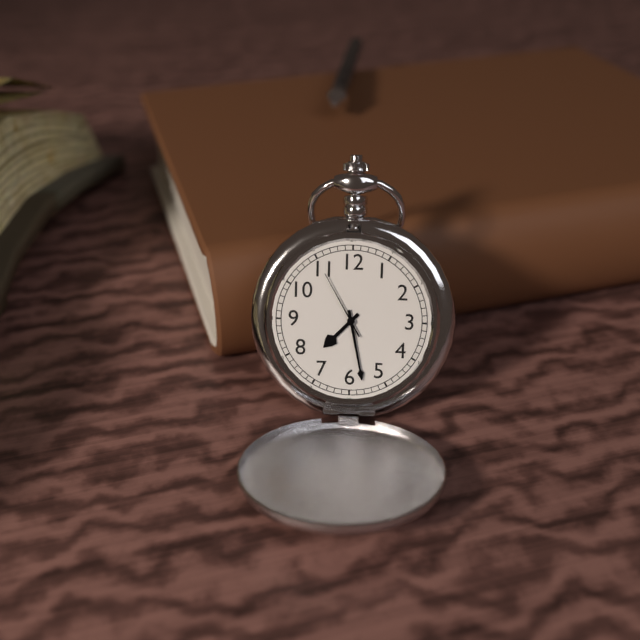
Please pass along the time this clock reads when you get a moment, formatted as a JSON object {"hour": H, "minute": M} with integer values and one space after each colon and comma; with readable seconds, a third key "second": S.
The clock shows {"hour": 7, "minute": 28, "second": 55}
